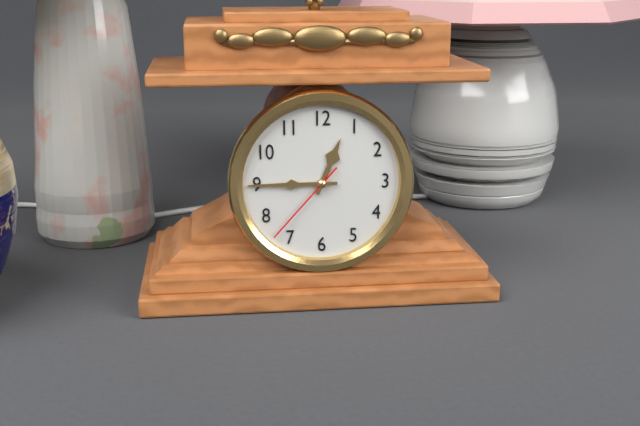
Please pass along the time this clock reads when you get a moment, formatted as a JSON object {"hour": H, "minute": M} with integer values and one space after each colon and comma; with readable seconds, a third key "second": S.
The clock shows {"hour": 12, "minute": 45, "second": 37}
